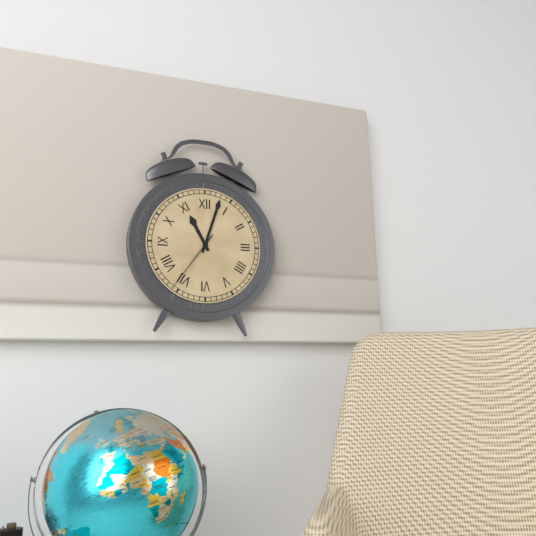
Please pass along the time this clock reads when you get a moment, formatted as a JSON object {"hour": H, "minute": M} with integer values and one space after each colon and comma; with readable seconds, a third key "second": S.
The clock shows {"hour": 11, "minute": 3, "second": 36}
